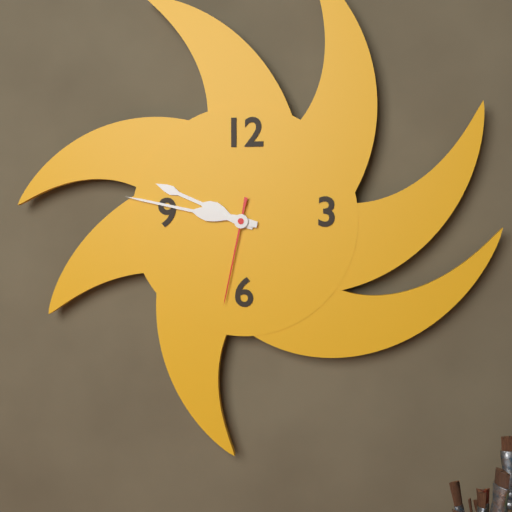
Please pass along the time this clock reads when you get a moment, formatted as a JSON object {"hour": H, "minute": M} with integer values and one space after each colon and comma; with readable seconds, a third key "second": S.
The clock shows {"hour": 9, "minute": 47, "second": 32}
